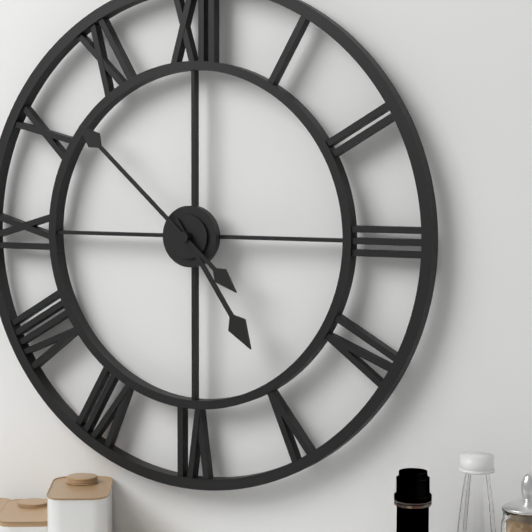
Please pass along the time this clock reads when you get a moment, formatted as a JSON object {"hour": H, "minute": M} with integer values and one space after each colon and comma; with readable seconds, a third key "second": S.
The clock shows {"hour": 4, "minute": 52}
